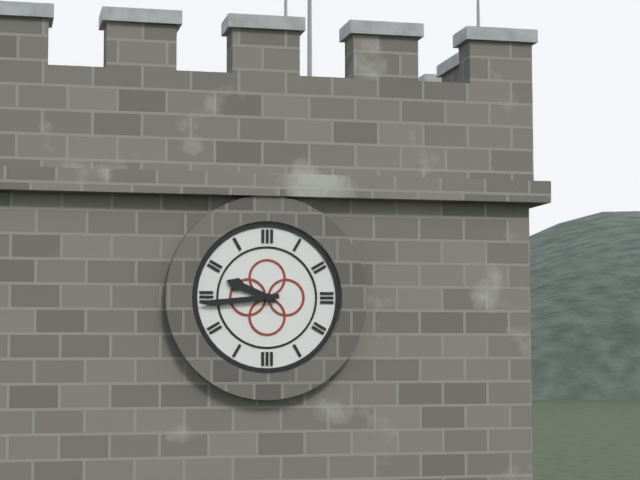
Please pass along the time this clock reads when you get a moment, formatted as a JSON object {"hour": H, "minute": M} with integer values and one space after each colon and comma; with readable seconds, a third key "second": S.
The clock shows {"hour": 9, "minute": 44}
